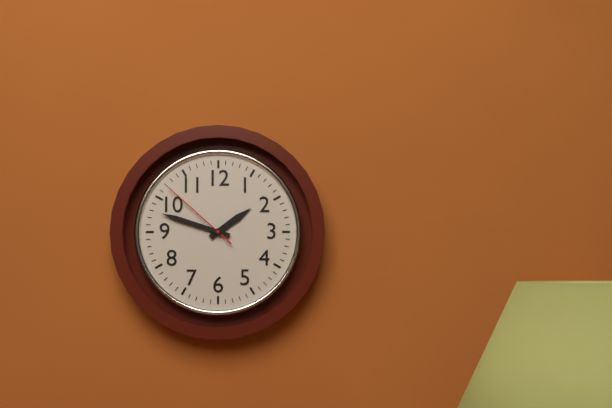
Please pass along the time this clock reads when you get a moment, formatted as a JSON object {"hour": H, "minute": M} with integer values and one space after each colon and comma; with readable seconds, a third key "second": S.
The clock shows {"hour": 1, "minute": 48, "second": 52}
